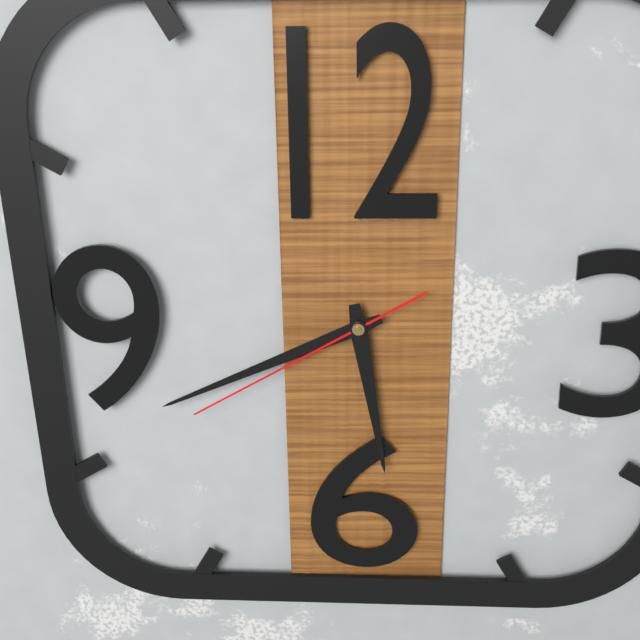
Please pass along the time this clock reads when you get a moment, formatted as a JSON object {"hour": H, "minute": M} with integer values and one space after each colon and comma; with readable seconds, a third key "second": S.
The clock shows {"hour": 5, "minute": 41, "second": 40}
